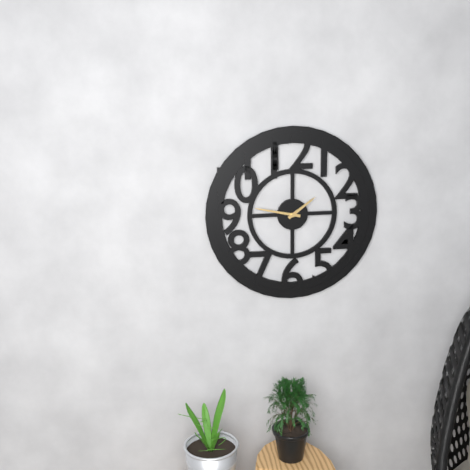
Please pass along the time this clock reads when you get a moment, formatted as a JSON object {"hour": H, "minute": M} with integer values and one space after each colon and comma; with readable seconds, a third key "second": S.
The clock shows {"hour": 1, "minute": 47}
